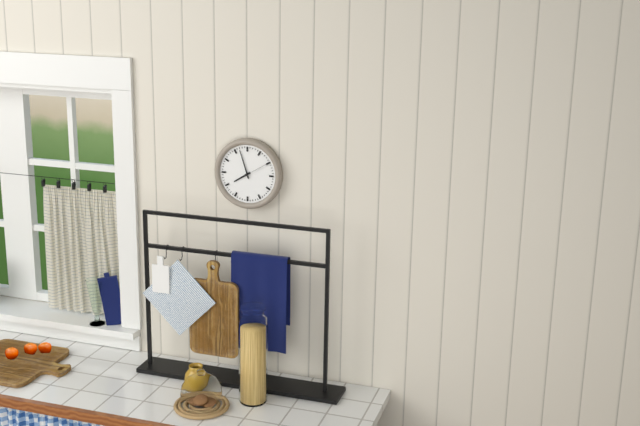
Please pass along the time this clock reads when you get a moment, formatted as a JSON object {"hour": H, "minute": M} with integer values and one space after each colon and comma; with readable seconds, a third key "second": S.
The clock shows {"hour": 7, "minute": 57}
